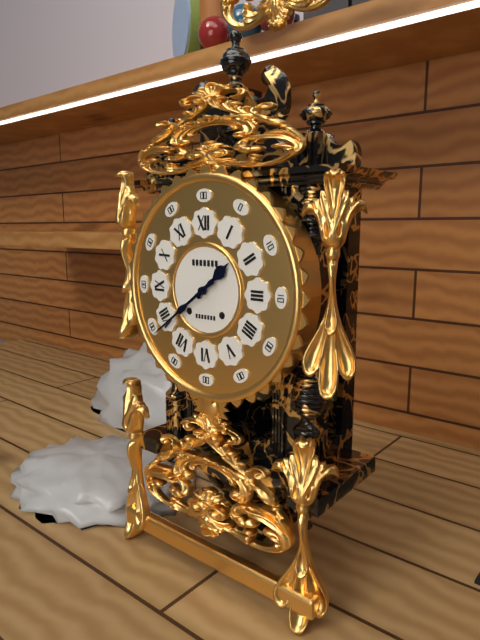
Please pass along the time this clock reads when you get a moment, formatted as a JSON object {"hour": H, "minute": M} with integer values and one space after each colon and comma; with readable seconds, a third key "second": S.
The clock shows {"hour": 1, "minute": 39}
